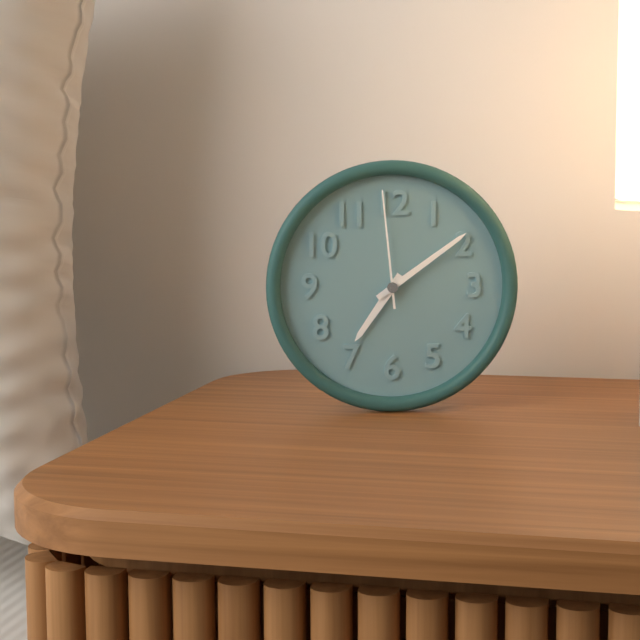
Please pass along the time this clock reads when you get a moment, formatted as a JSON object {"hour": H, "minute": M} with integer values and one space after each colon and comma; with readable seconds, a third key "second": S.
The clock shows {"hour": 7, "minute": 9, "second": 59}
